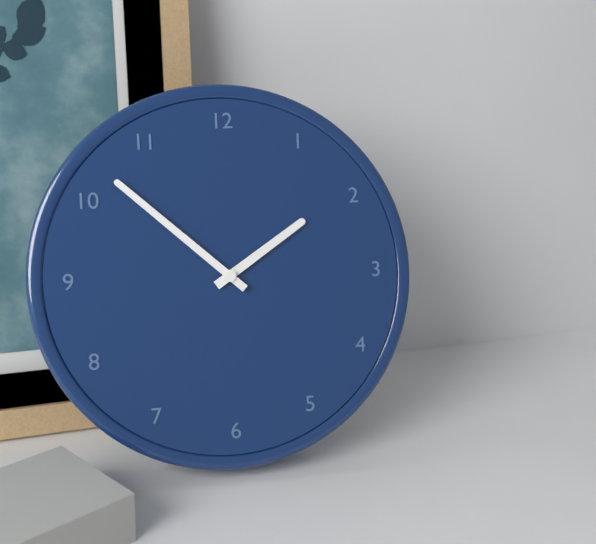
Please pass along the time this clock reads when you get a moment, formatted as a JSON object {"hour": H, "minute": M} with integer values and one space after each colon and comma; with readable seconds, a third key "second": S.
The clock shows {"hour": 1, "minute": 52}
